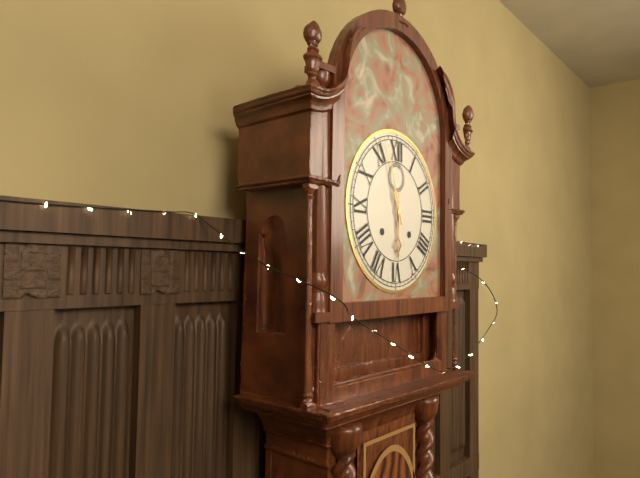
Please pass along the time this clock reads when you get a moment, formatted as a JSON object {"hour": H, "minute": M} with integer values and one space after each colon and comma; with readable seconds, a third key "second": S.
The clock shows {"hour": 5, "minute": 57}
